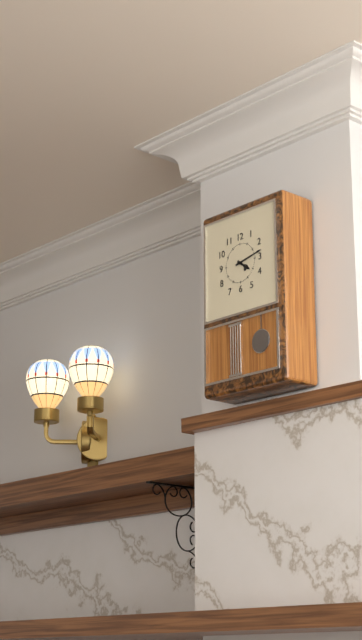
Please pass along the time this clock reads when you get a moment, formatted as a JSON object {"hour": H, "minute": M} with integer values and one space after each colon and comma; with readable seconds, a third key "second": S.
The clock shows {"hour": 4, "minute": 13}
